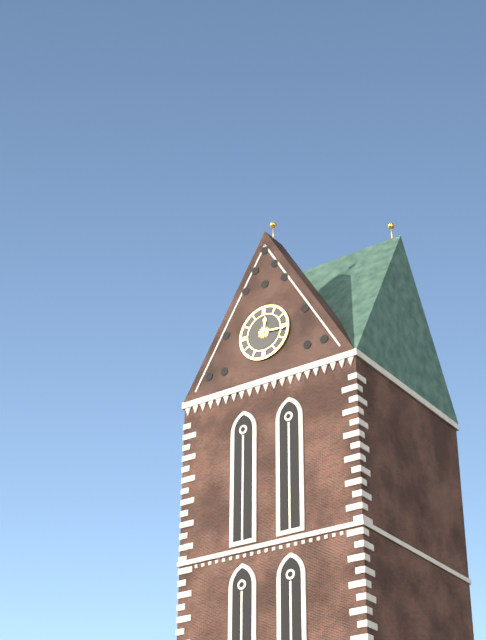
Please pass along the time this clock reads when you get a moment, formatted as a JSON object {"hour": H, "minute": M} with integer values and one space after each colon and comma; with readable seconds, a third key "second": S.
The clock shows {"hour": 12, "minute": 16}
